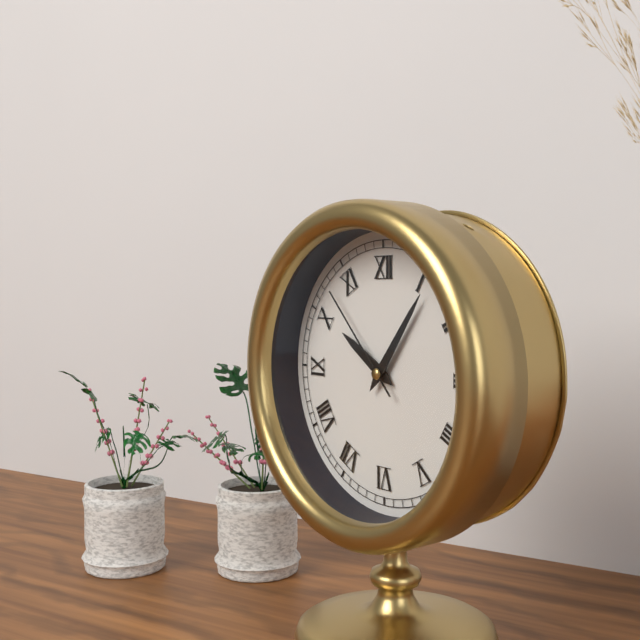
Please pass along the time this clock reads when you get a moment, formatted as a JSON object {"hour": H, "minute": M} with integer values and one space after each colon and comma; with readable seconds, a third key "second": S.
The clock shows {"hour": 10, "minute": 6, "second": 53}
